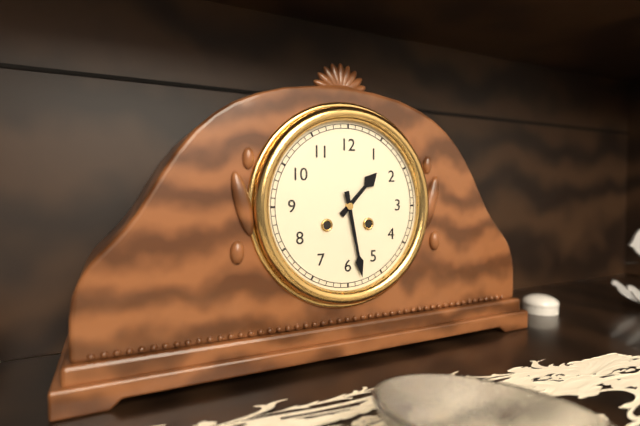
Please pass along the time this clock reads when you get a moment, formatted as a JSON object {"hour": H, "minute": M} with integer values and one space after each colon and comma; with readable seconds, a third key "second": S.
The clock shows {"hour": 1, "minute": 28}
